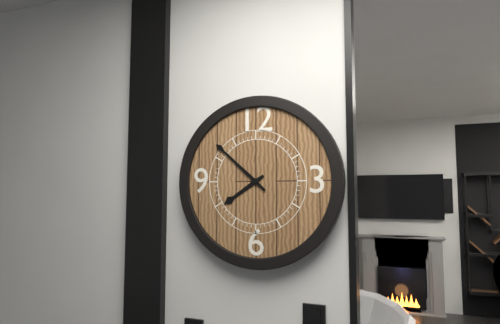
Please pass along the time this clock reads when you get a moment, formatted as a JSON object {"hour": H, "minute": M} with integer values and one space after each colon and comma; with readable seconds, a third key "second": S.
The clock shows {"hour": 7, "minute": 52}
